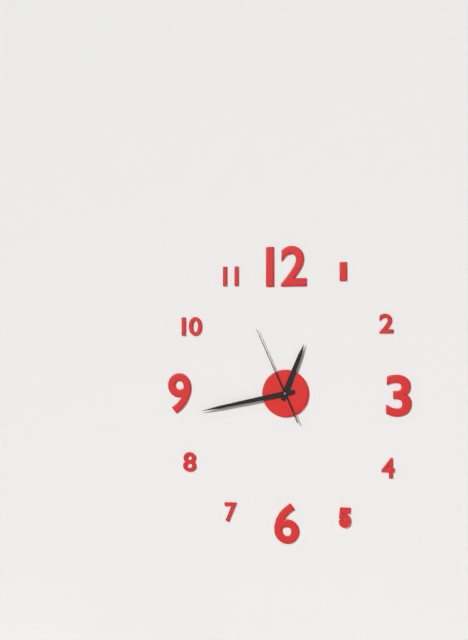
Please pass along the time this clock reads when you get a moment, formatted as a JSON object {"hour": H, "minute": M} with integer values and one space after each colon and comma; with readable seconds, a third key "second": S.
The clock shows {"hour": 12, "minute": 43, "second": 56}
